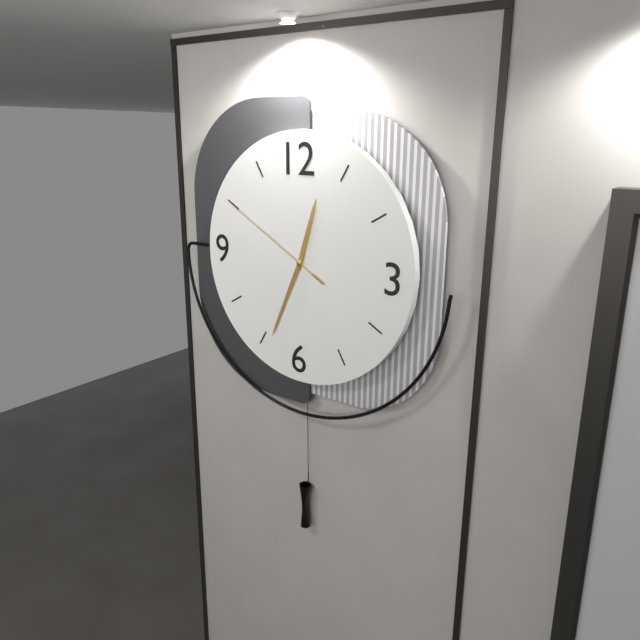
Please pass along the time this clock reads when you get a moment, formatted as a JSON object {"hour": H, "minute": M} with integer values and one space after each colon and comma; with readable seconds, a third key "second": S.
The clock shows {"hour": 12, "minute": 34, "second": 50}
